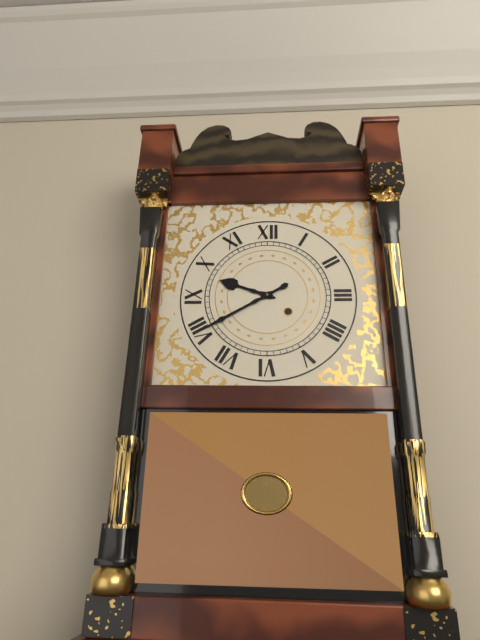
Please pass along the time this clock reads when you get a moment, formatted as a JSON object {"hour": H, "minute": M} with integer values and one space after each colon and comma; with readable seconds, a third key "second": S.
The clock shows {"hour": 9, "minute": 40}
